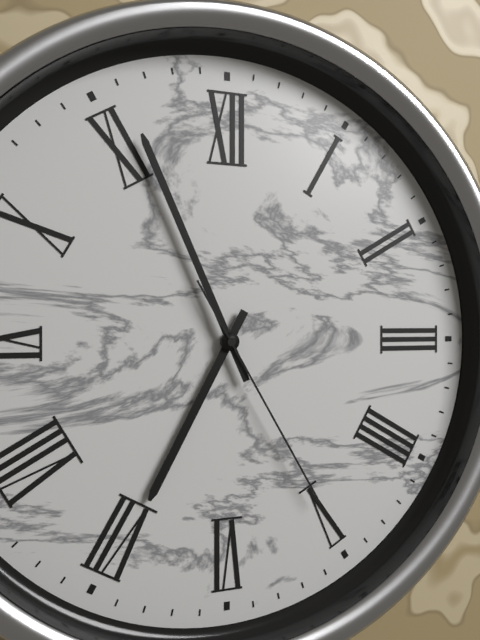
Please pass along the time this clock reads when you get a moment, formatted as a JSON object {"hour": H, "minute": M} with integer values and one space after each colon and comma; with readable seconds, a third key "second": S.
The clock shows {"hour": 6, "minute": 56, "second": 25}
